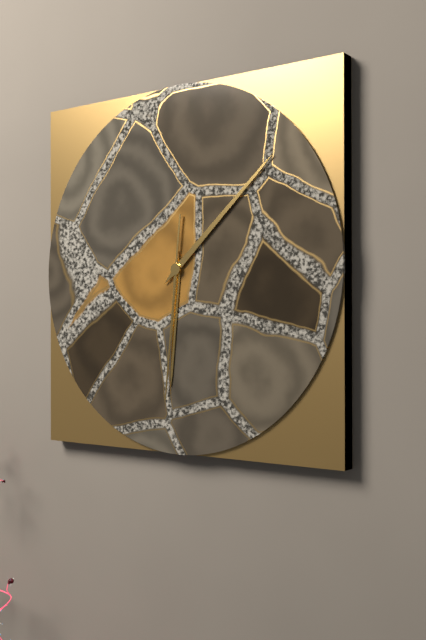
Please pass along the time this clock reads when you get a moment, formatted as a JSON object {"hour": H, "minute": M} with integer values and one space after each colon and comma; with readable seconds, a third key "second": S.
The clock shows {"hour": 6, "minute": 8, "second": 31}
